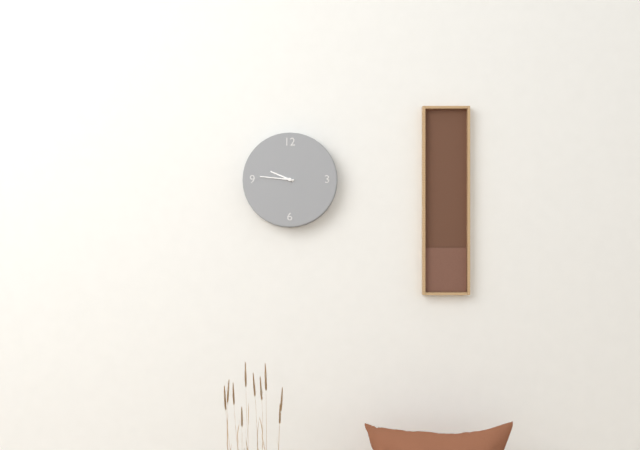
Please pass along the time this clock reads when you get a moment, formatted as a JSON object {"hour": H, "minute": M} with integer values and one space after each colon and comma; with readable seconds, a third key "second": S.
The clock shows {"hour": 9, "minute": 46}
